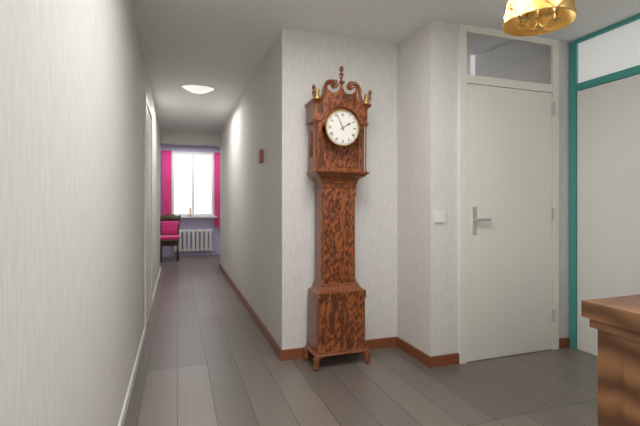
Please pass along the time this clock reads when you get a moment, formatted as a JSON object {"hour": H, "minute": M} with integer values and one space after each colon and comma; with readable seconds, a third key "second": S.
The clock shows {"hour": 1, "minute": 56}
